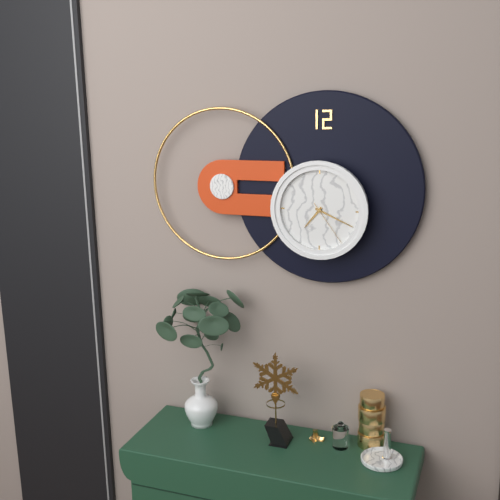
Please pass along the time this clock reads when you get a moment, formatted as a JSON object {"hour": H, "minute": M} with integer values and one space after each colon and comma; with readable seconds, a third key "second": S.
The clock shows {"hour": 7, "minute": 19, "second": 24}
